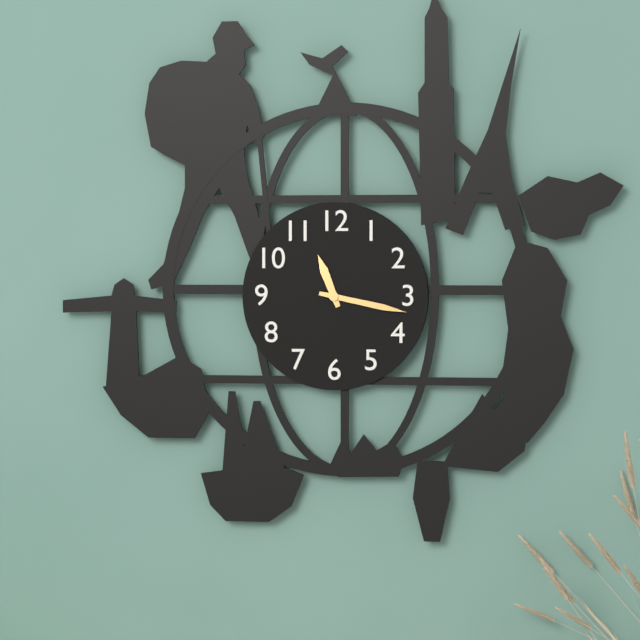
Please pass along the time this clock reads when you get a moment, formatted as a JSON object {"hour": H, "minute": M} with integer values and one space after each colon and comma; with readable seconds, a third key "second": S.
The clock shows {"hour": 11, "minute": 17}
